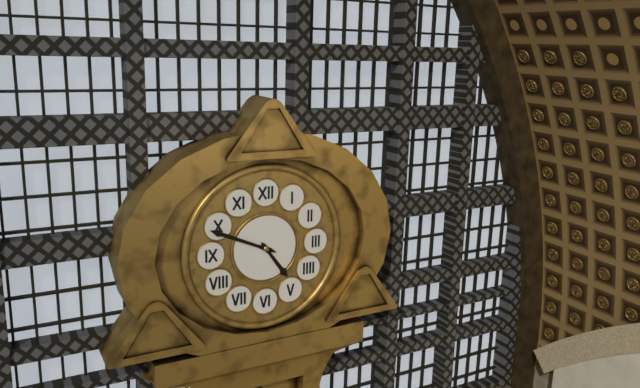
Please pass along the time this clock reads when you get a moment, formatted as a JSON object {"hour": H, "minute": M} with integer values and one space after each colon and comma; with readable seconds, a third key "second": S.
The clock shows {"hour": 4, "minute": 49}
